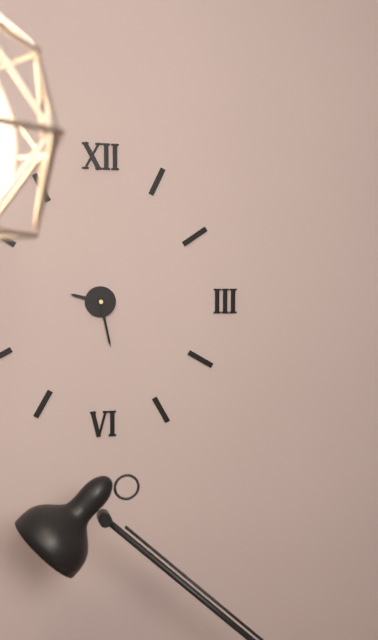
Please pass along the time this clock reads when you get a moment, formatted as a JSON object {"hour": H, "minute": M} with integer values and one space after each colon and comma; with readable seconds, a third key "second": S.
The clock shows {"hour": 9, "minute": 28}
